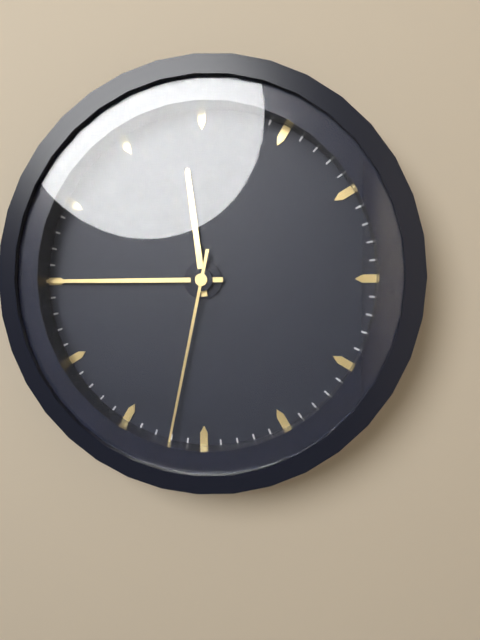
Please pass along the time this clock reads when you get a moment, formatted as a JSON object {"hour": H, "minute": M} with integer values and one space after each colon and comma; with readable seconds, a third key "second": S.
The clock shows {"hour": 11, "minute": 45, "second": 32}
